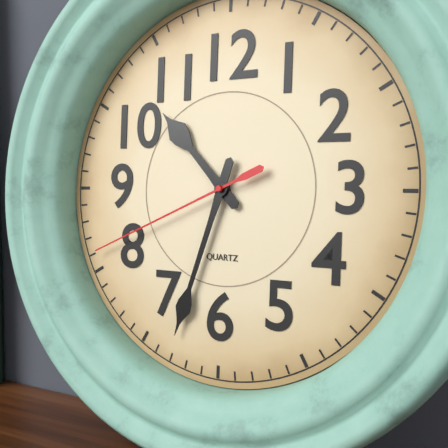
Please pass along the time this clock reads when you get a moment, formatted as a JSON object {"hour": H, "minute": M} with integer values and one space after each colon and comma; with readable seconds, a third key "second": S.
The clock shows {"hour": 10, "minute": 33, "second": 41}
